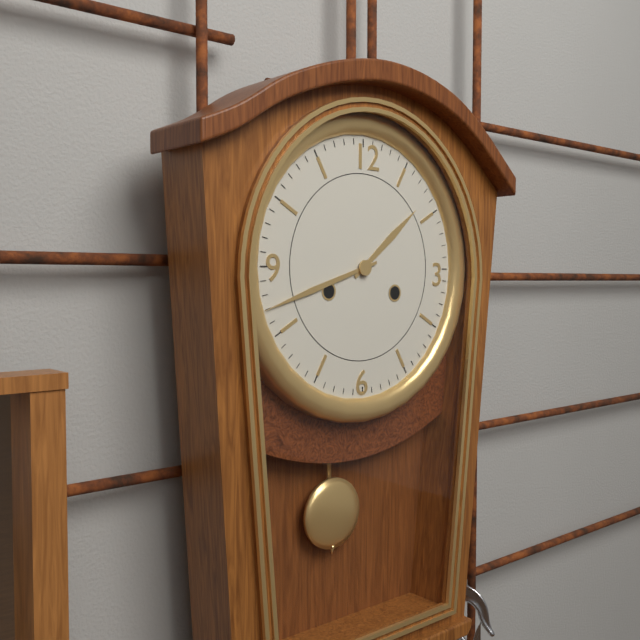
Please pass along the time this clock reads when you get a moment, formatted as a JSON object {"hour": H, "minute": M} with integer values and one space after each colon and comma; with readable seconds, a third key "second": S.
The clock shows {"hour": 1, "minute": 42}
